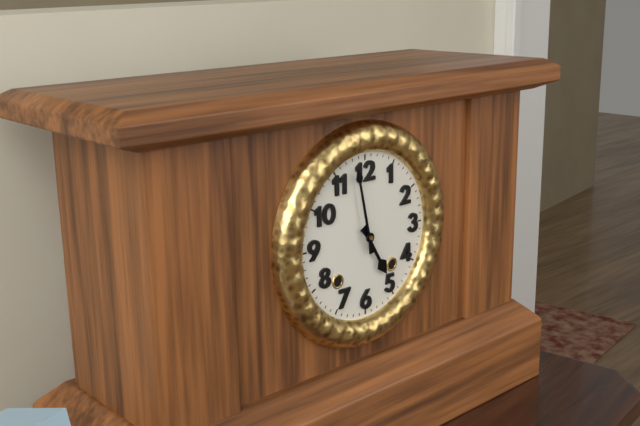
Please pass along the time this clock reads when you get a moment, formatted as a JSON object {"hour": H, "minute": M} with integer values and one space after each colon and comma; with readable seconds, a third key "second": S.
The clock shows {"hour": 4, "minute": 58}
